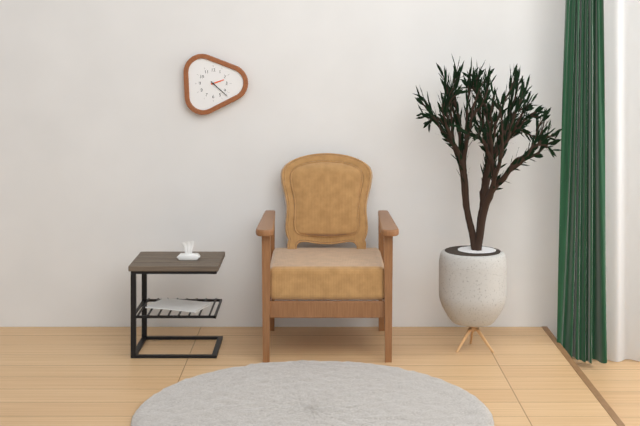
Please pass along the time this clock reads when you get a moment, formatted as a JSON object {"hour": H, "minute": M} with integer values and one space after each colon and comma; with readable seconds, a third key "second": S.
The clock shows {"hour": 2, "minute": 22}
